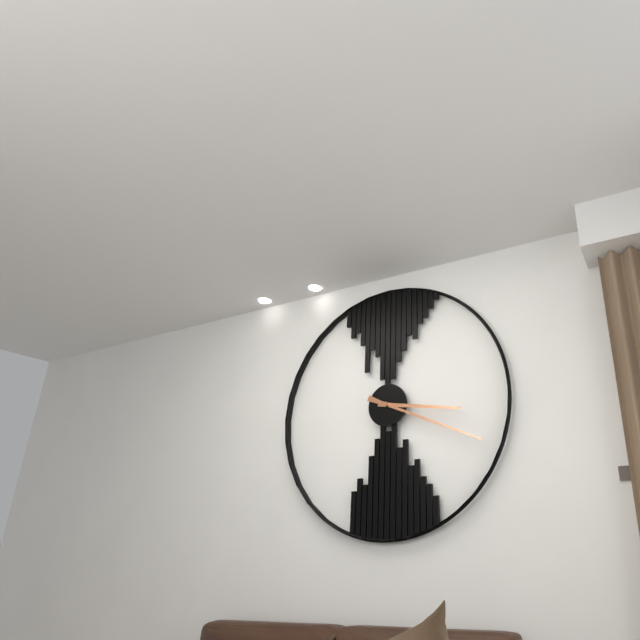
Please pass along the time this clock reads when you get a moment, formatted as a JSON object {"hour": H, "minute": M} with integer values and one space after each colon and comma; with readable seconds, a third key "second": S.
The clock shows {"hour": 3, "minute": 19}
